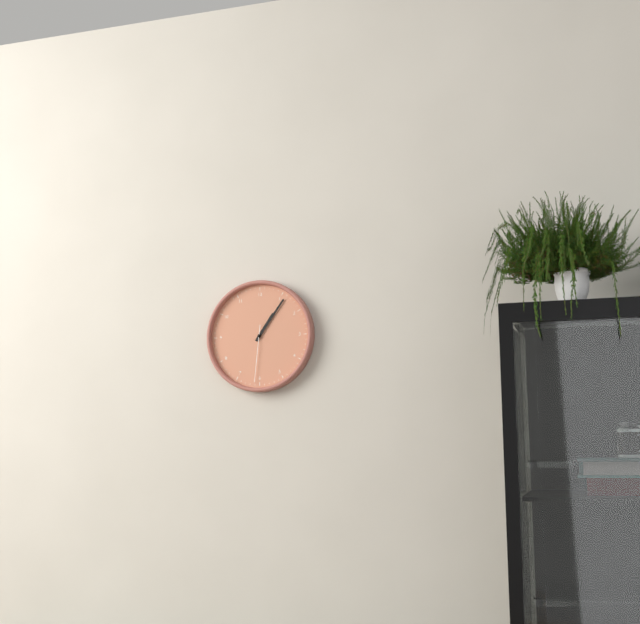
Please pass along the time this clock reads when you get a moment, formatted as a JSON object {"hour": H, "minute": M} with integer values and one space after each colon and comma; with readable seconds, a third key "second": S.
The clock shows {"hour": 1, "minute": 6, "second": 31}
